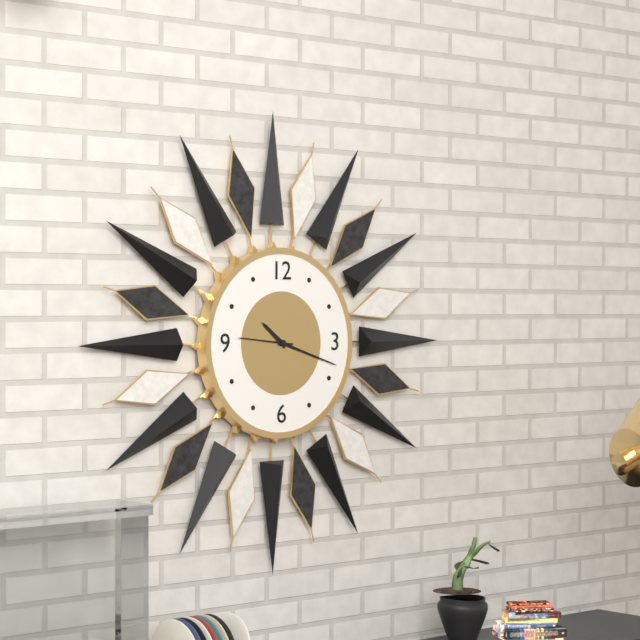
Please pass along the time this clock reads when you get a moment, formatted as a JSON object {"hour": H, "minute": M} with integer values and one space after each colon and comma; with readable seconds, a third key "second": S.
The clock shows {"hour": 10, "minute": 18, "second": 46}
